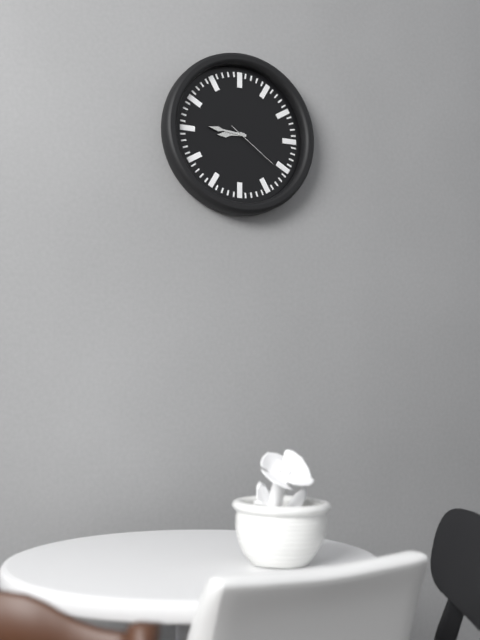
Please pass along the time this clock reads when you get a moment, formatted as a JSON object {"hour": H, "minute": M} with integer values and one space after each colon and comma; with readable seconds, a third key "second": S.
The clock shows {"hour": 8, "minute": 46, "second": 21}
